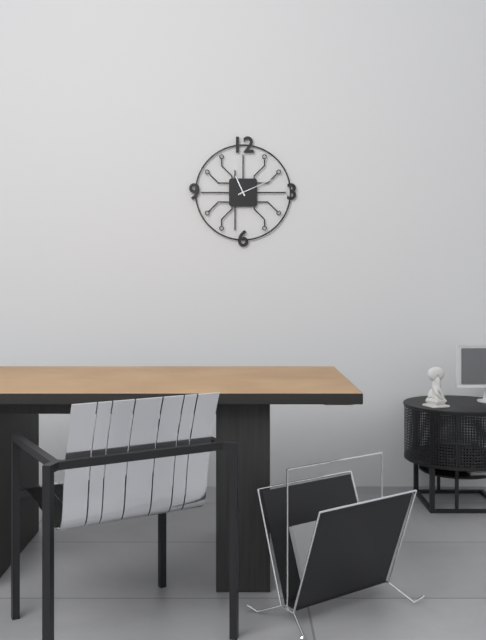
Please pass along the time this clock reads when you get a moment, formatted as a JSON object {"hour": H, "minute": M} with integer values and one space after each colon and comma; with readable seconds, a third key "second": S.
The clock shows {"hour": 11, "minute": 11}
